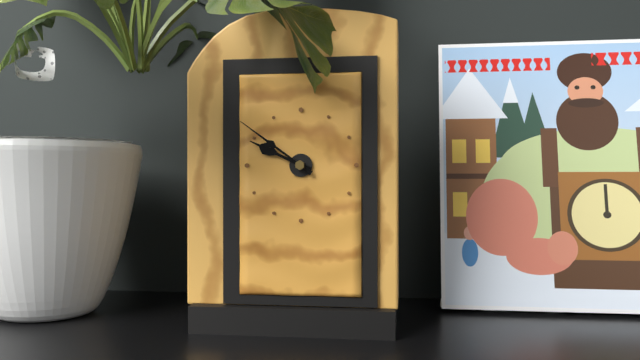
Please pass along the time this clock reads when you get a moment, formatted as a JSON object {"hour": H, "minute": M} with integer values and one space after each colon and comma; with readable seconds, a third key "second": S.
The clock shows {"hour": 9, "minute": 51}
